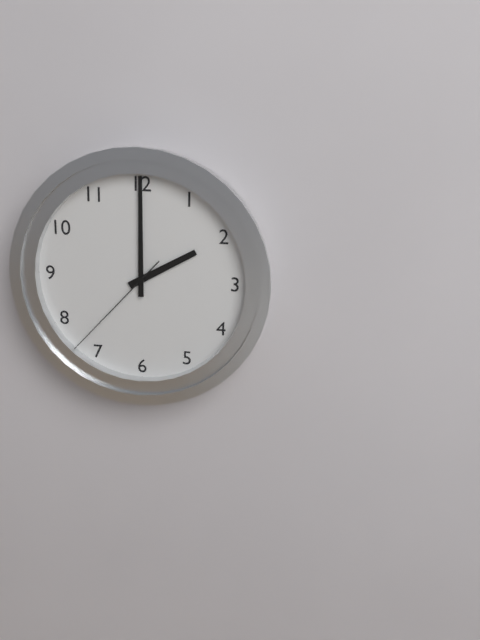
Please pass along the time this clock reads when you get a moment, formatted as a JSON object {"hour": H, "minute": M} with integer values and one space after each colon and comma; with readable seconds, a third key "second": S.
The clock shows {"hour": 2, "minute": 0, "second": 37}
